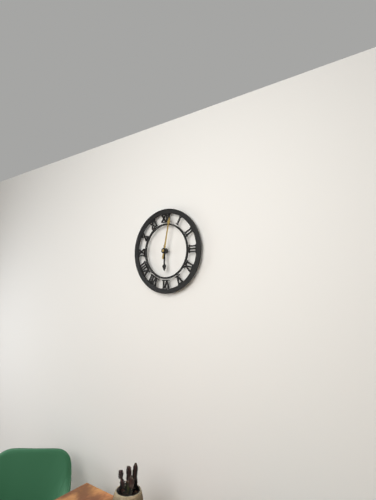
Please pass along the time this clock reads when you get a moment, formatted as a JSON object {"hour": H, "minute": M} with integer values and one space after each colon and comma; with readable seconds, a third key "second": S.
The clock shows {"hour": 6, "minute": 2}
